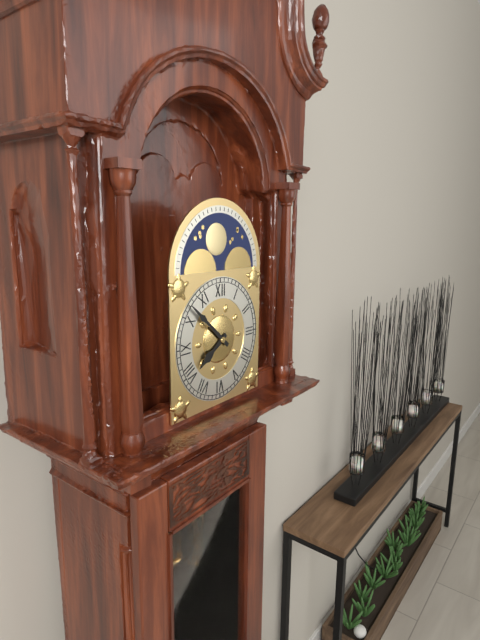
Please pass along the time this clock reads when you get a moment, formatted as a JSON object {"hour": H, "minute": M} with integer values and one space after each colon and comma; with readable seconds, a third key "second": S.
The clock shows {"hour": 7, "minute": 52}
